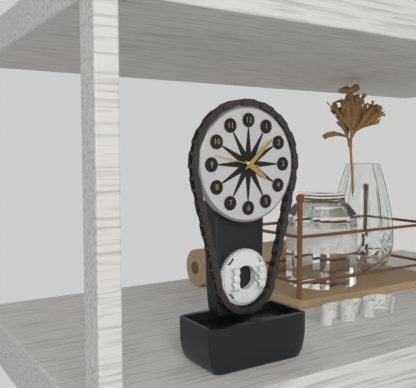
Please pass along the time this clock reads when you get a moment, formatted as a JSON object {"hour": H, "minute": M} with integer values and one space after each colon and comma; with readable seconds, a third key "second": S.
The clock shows {"hour": 4, "minute": 8}
